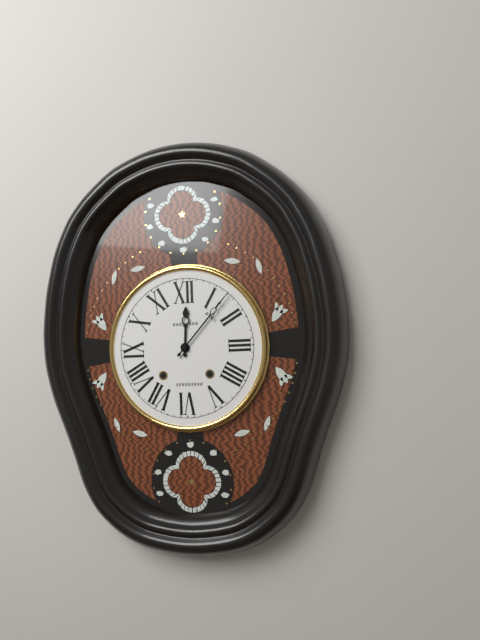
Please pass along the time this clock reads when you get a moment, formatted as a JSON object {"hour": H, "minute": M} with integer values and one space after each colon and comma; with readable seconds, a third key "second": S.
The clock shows {"hour": 12, "minute": 7}
